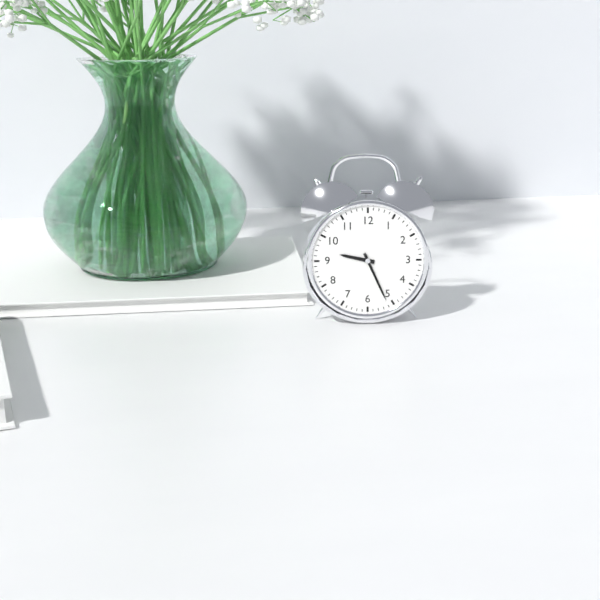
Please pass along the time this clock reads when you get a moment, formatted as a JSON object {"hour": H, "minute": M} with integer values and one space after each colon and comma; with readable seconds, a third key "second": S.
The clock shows {"hour": 9, "minute": 26}
